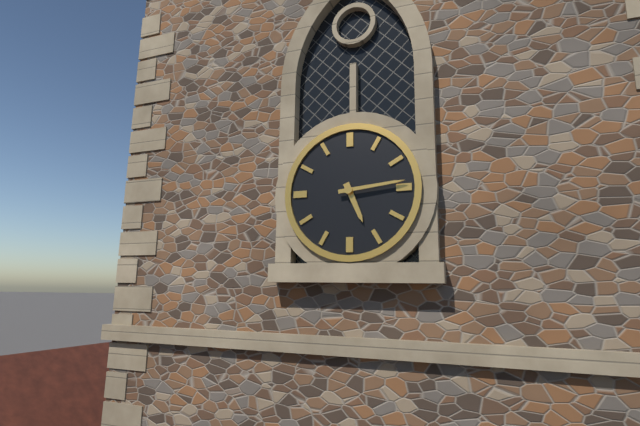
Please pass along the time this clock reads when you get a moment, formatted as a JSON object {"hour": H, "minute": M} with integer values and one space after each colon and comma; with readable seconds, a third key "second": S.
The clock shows {"hour": 5, "minute": 14}
